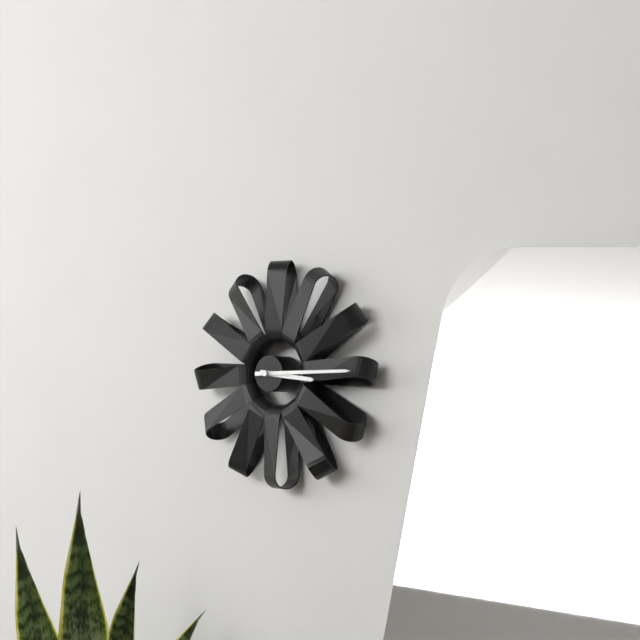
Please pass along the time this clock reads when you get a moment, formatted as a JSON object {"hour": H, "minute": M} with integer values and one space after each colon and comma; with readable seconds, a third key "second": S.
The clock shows {"hour": 3, "minute": 15}
